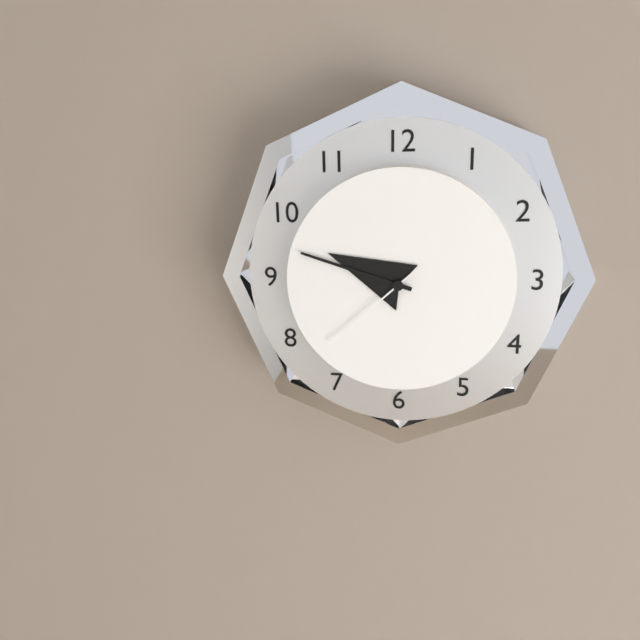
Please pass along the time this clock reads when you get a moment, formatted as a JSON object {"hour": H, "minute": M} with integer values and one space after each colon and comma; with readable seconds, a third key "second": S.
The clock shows {"hour": 9, "minute": 48, "second": 38}
